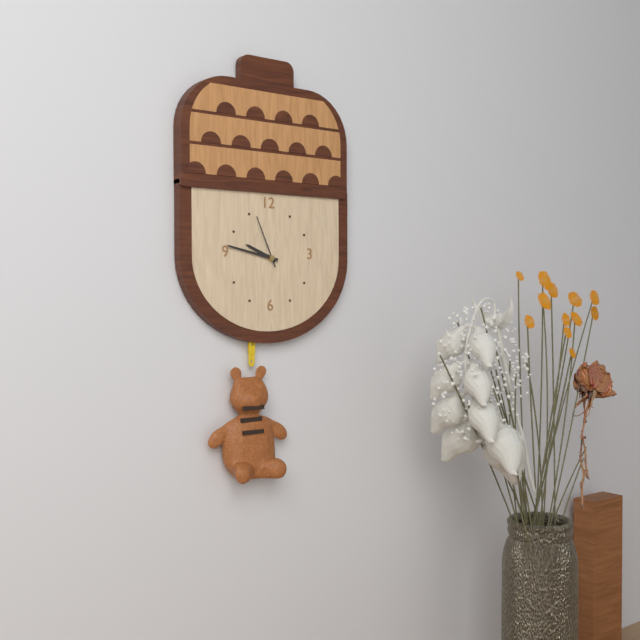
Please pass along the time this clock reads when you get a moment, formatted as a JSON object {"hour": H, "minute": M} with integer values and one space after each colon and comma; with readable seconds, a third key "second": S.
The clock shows {"hour": 9, "minute": 47, "second": 56}
